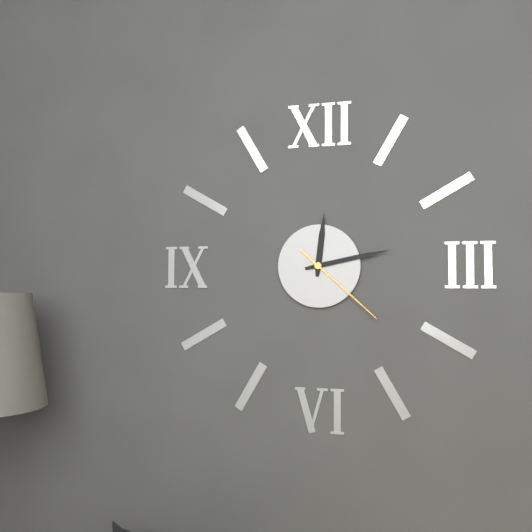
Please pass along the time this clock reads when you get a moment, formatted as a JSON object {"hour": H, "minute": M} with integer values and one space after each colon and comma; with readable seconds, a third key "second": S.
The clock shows {"hour": 12, "minute": 13, "second": 22}
